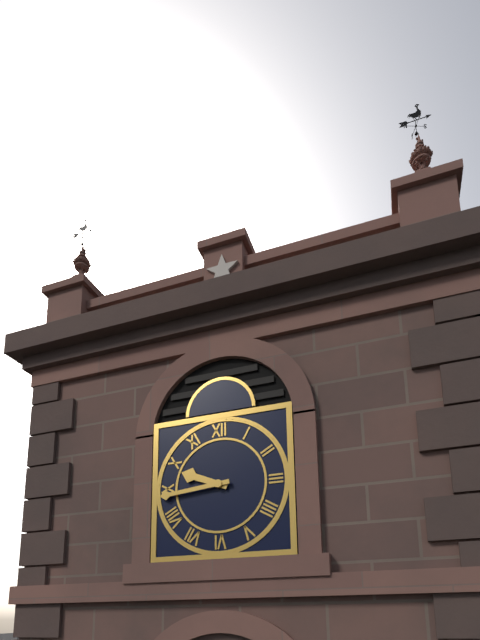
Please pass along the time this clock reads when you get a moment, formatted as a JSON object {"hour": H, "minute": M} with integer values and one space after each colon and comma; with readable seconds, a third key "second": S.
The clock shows {"hour": 9, "minute": 44}
